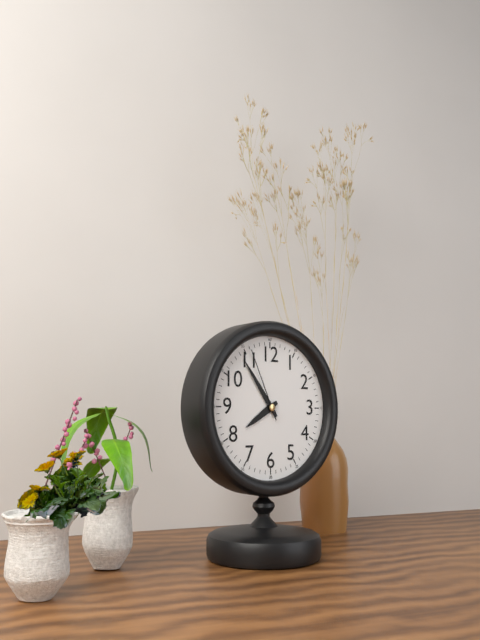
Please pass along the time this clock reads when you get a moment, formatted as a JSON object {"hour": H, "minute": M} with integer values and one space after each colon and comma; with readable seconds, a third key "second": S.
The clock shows {"hour": 7, "minute": 54, "second": 56}
